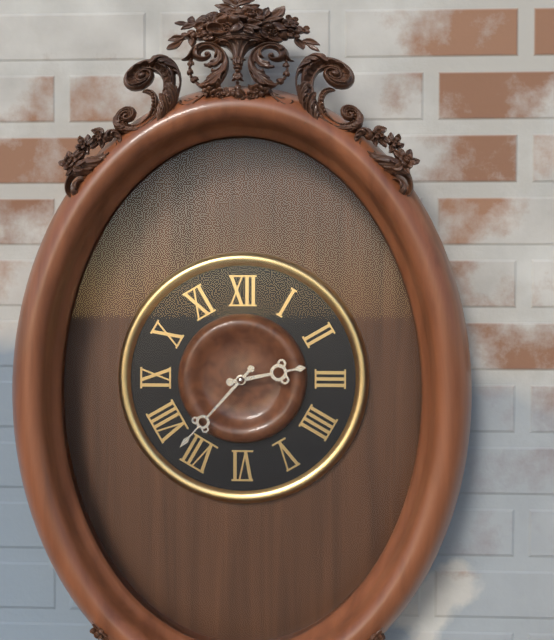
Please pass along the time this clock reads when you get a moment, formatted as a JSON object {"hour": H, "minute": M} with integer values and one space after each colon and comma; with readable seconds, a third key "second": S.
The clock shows {"hour": 2, "minute": 37}
